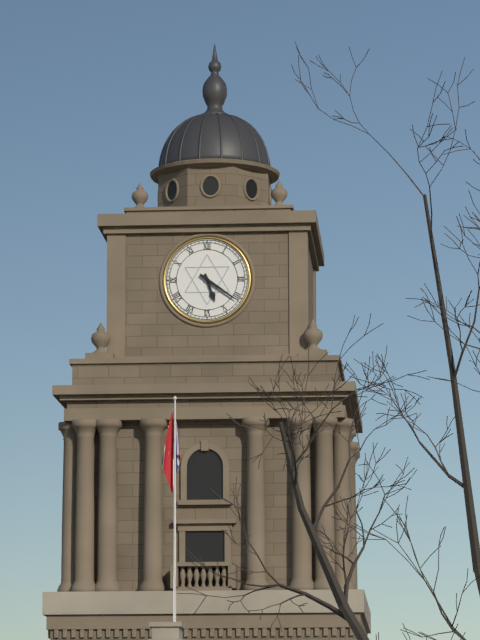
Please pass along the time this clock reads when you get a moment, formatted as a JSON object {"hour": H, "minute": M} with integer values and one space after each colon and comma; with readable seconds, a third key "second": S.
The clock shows {"hour": 5, "minute": 21}
